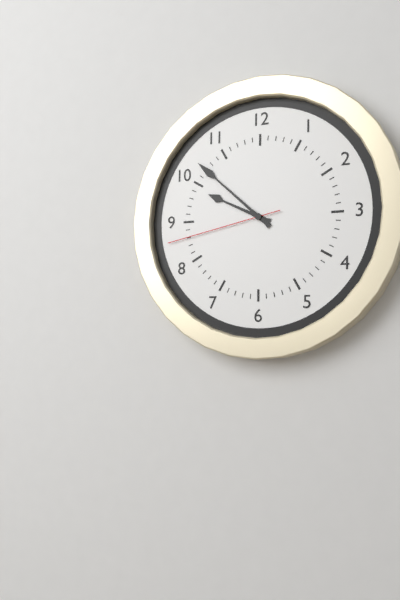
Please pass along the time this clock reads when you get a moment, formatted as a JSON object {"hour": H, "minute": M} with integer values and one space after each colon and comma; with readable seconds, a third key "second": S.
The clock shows {"hour": 9, "minute": 52, "second": 43}
